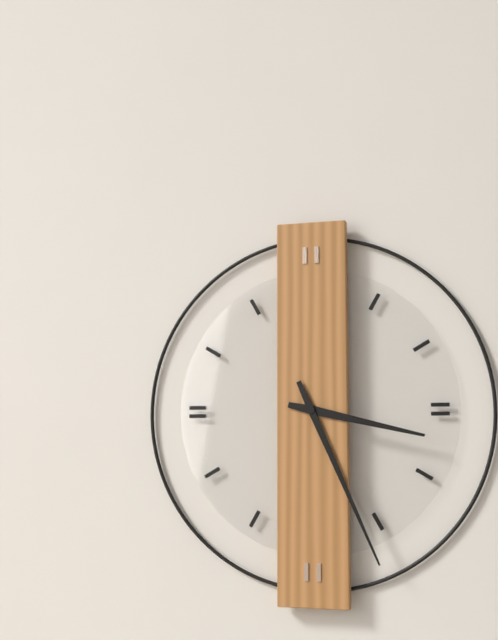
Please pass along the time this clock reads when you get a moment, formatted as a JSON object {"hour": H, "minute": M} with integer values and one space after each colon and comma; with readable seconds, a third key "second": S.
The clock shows {"hour": 3, "minute": 26}
